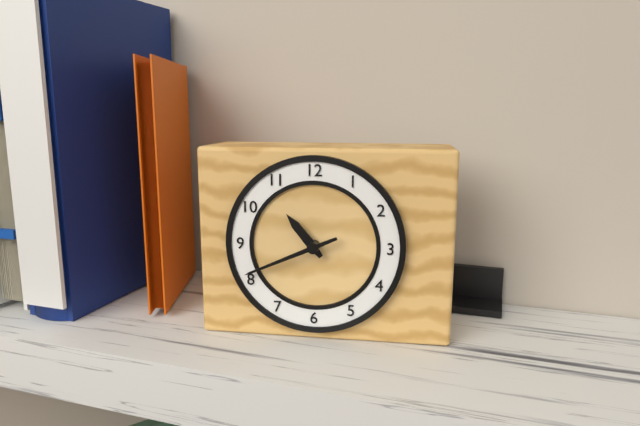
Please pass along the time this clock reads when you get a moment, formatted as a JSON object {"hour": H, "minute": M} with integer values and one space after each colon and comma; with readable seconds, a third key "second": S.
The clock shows {"hour": 10, "minute": 41}
